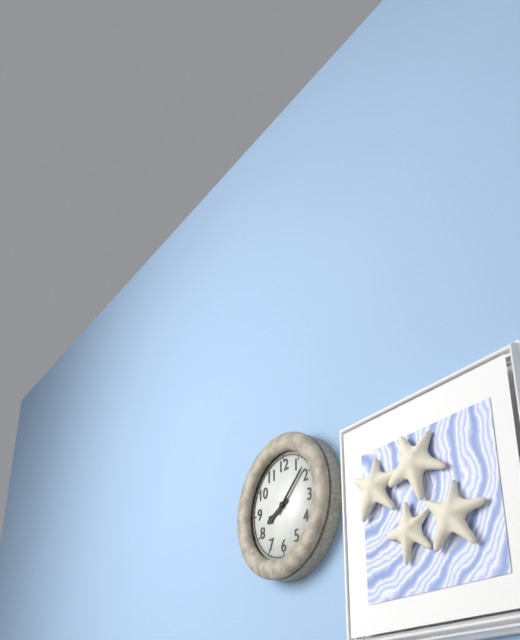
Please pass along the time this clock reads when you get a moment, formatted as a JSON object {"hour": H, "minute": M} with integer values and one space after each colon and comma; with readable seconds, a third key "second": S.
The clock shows {"hour": 8, "minute": 8}
